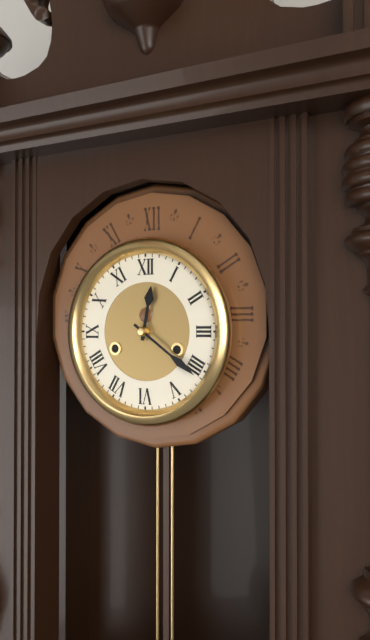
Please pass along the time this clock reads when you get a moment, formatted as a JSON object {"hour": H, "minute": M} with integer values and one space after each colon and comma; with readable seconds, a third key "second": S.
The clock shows {"hour": 12, "minute": 21}
